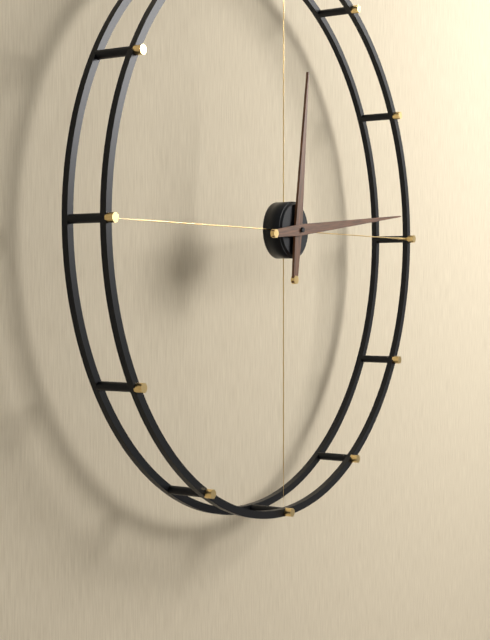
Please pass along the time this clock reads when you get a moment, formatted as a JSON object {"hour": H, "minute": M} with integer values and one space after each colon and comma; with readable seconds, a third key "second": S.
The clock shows {"hour": 12, "minute": 14}
